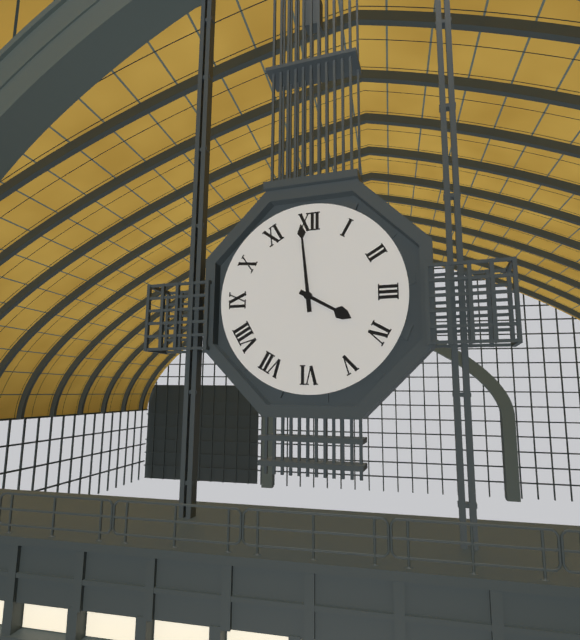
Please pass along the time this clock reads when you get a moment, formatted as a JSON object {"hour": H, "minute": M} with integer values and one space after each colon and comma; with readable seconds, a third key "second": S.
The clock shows {"hour": 3, "minute": 59}
